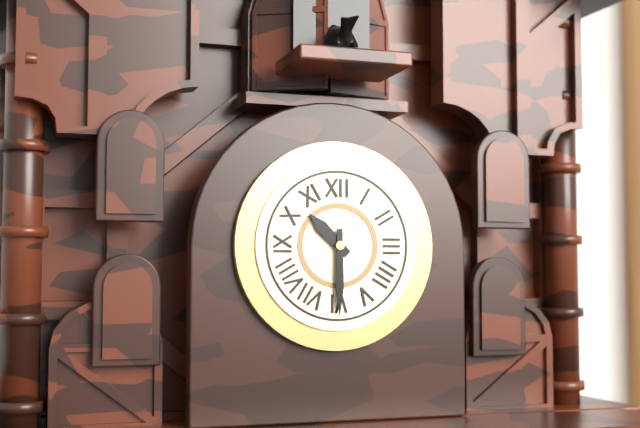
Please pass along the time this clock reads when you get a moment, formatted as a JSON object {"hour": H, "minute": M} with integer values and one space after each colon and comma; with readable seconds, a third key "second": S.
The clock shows {"hour": 10, "minute": 30}
